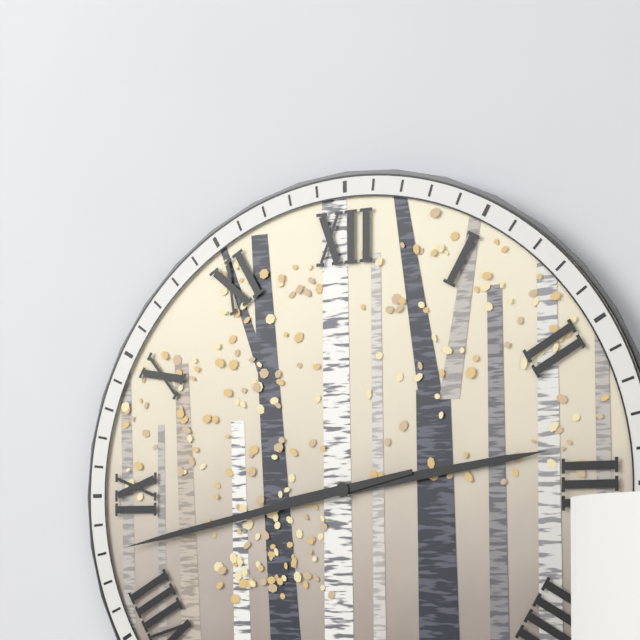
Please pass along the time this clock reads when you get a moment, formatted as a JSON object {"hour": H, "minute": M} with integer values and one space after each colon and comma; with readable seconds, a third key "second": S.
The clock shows {"hour": 2, "minute": 43}
